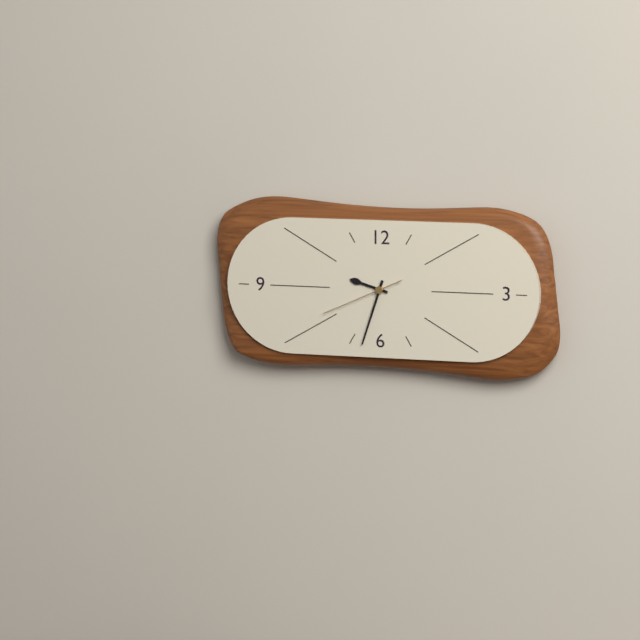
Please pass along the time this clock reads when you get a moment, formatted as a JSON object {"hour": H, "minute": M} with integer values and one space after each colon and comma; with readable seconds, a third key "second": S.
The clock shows {"hour": 9, "minute": 33, "second": 41}
